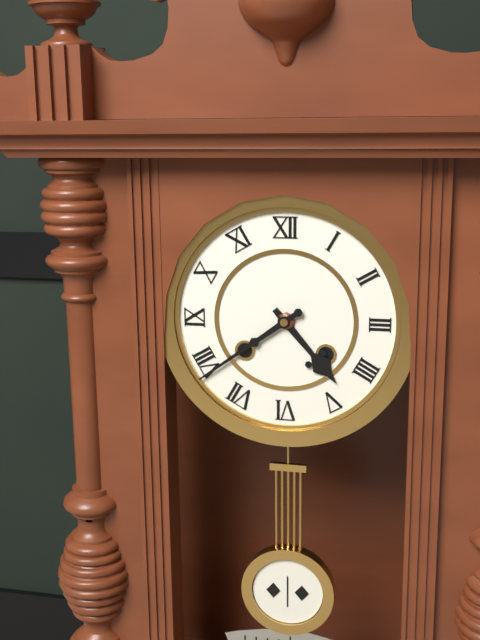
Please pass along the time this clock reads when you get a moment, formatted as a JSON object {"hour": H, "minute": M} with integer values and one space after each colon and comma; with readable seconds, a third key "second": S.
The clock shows {"hour": 4, "minute": 39}
